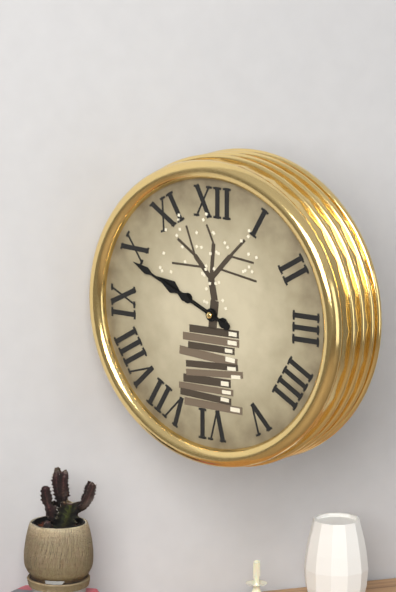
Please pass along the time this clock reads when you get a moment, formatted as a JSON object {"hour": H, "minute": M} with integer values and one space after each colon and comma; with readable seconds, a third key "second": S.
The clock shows {"hour": 9, "minute": 49}
